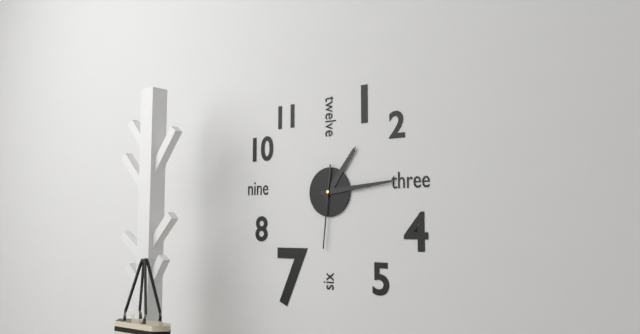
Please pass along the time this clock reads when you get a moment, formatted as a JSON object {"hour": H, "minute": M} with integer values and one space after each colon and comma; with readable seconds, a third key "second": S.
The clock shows {"hour": 1, "minute": 14, "second": 31}
